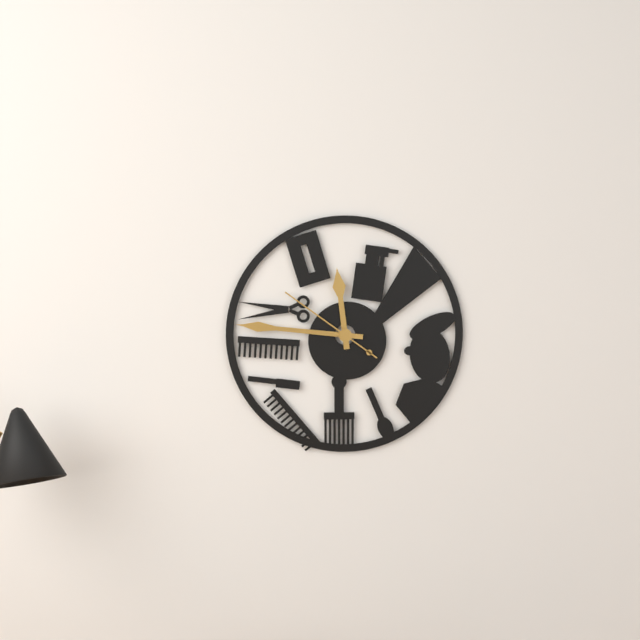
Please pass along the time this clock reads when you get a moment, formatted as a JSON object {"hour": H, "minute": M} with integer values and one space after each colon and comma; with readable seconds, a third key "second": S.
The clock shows {"hour": 11, "minute": 46, "second": 51}
